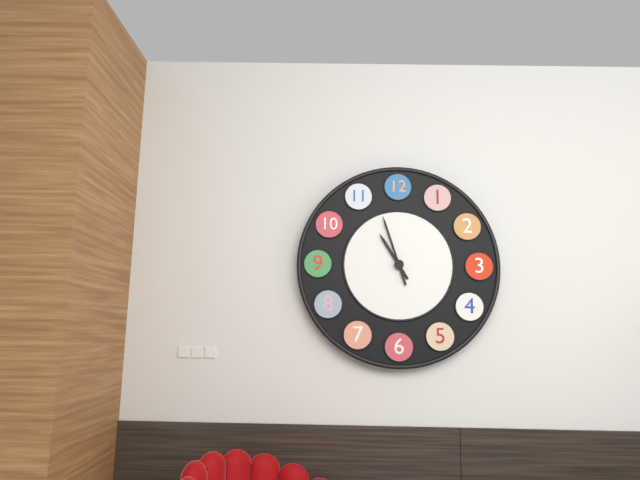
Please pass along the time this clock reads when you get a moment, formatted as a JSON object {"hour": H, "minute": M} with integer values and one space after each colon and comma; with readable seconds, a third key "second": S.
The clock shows {"hour": 10, "minute": 57}
